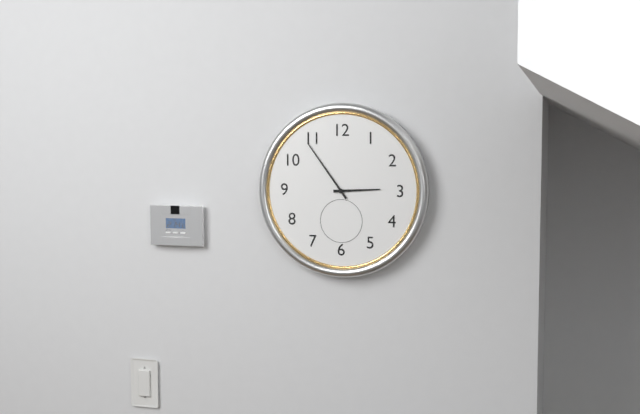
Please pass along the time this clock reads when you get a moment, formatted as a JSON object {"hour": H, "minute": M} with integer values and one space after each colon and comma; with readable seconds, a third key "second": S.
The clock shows {"hour": 2, "minute": 54}
